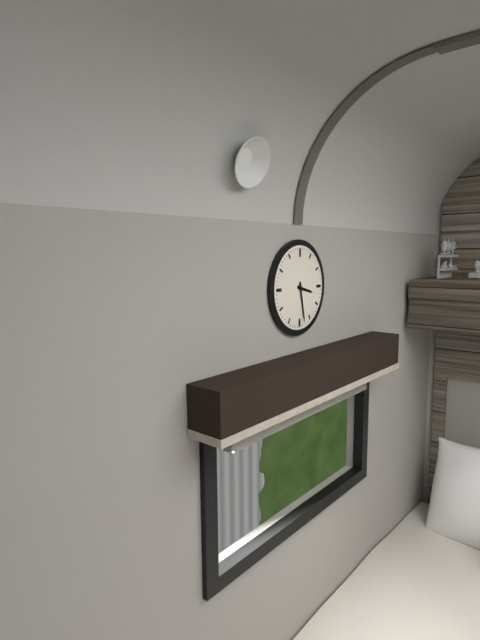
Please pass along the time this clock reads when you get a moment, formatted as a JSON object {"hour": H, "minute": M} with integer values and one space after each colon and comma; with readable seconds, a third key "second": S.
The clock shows {"hour": 3, "minute": 28}
